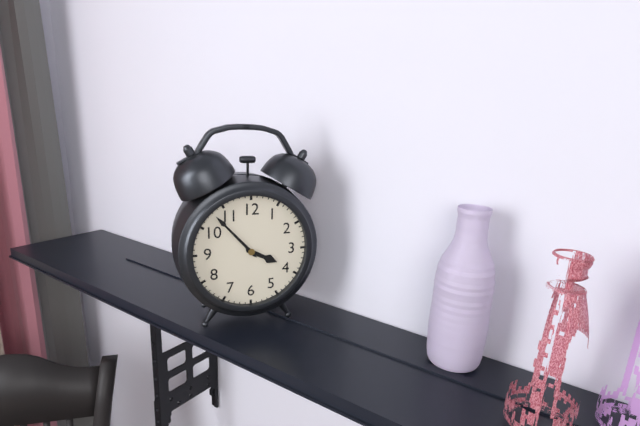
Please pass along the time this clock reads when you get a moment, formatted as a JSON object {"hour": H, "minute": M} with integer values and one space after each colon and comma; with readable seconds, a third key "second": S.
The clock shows {"hour": 3, "minute": 53}
